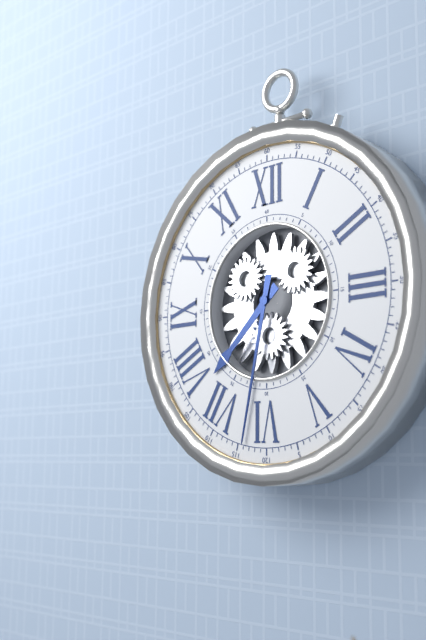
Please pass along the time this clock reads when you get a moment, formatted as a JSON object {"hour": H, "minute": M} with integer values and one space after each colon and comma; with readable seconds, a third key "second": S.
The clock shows {"hour": 7, "minute": 32}
